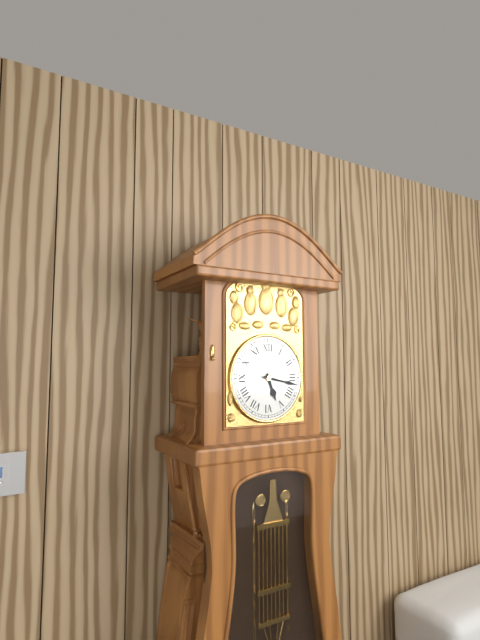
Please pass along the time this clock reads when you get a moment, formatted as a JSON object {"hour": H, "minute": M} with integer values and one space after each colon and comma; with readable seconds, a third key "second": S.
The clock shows {"hour": 5, "minute": 17}
